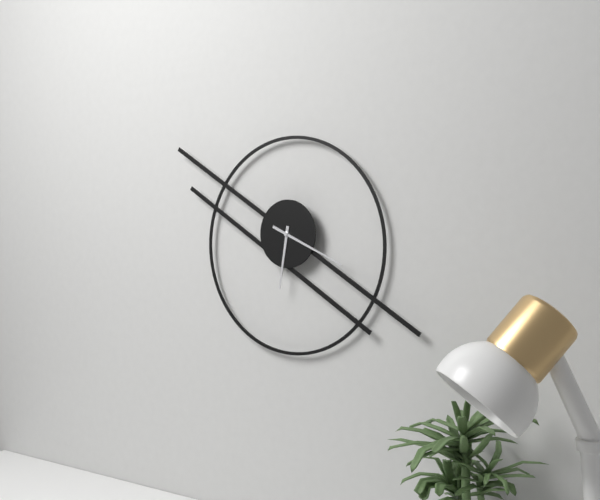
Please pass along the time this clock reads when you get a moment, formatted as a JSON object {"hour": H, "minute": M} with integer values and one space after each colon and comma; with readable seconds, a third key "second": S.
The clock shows {"hour": 6, "minute": 19}
